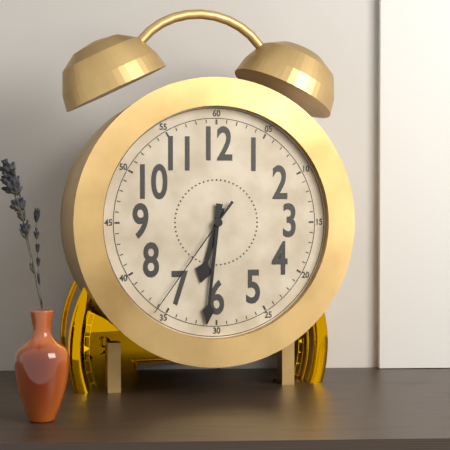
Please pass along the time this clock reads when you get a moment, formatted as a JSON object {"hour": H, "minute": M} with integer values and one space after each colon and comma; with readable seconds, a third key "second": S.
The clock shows {"hour": 6, "minute": 31, "second": 36}
